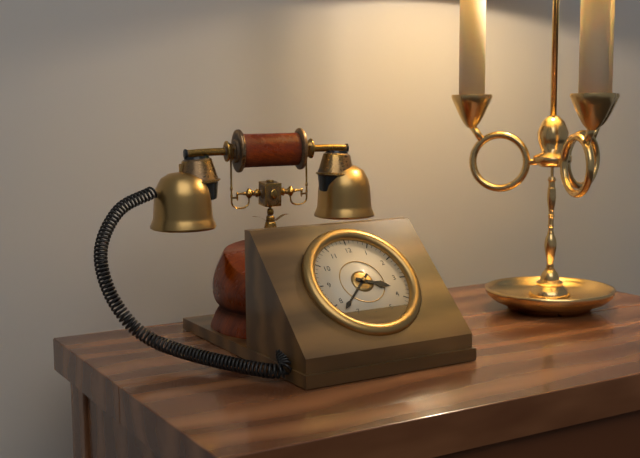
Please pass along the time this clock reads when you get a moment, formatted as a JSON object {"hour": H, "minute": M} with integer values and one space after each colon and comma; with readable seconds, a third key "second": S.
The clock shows {"hour": 3, "minute": 38}
